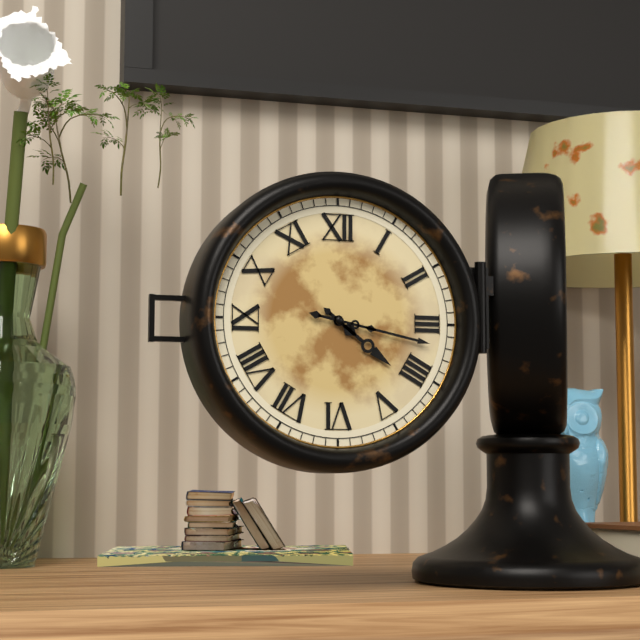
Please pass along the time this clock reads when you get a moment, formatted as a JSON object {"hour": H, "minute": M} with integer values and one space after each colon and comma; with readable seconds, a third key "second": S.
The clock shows {"hour": 4, "minute": 17}
